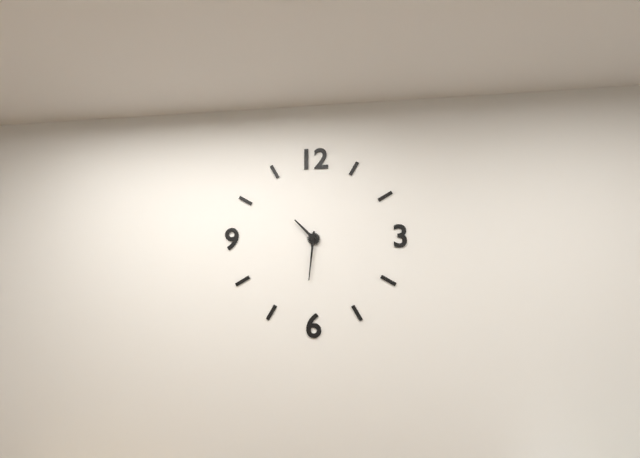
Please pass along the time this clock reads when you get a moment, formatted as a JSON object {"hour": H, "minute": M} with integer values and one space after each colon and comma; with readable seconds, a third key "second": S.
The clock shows {"hour": 10, "minute": 31}
